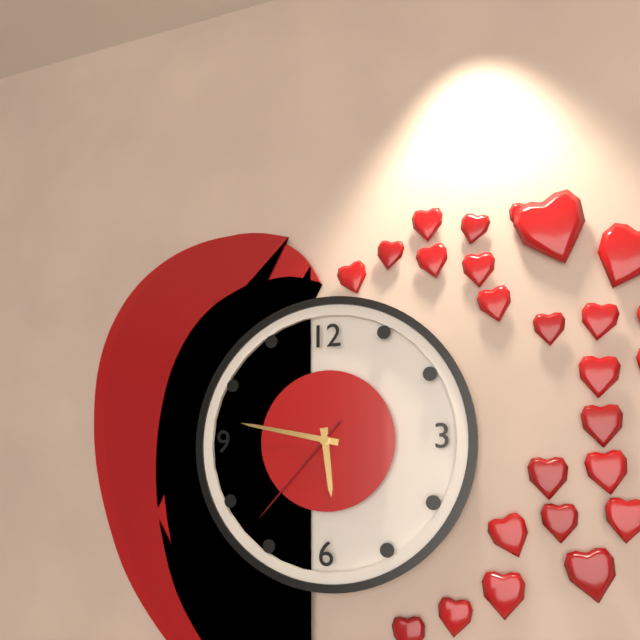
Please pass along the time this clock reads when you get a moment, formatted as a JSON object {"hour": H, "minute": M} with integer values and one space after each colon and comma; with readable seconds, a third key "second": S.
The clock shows {"hour": 5, "minute": 47, "second": 37}
